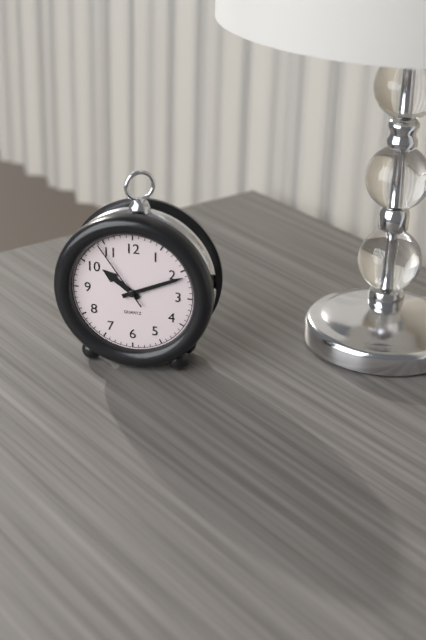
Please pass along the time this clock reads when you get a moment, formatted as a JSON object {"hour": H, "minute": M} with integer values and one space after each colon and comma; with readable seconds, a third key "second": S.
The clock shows {"hour": 10, "minute": 11, "second": 54}
